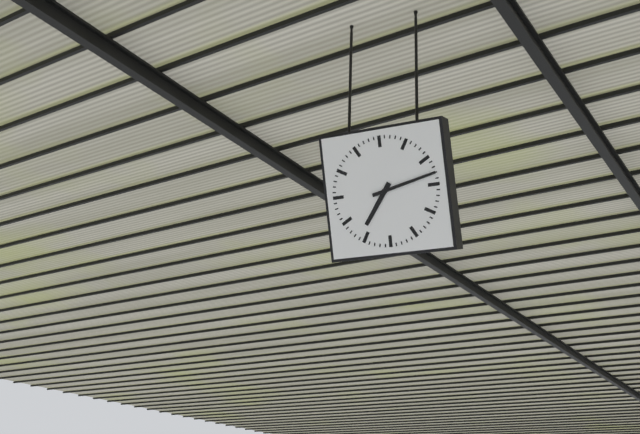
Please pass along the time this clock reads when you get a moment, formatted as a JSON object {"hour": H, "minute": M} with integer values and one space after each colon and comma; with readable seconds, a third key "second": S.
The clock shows {"hour": 7, "minute": 13}
